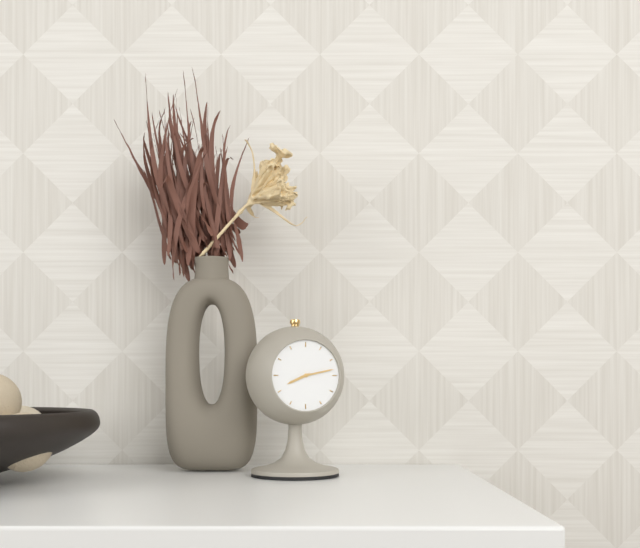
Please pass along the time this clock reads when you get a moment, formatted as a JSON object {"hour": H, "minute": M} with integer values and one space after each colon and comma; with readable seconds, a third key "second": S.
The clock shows {"hour": 8, "minute": 13}
